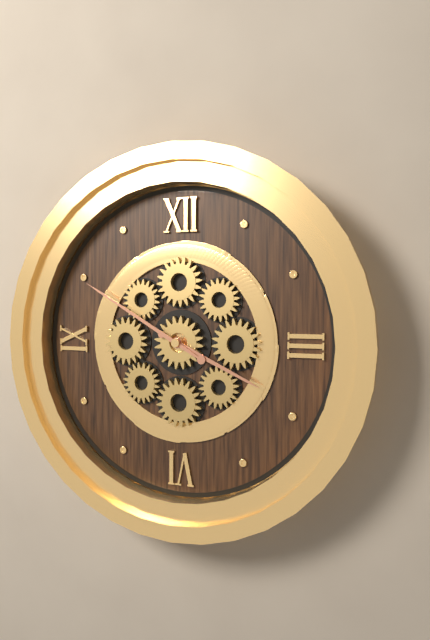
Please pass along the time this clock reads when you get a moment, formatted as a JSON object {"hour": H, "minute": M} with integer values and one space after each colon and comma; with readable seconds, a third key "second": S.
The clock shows {"hour": 3, "minute": 50}
